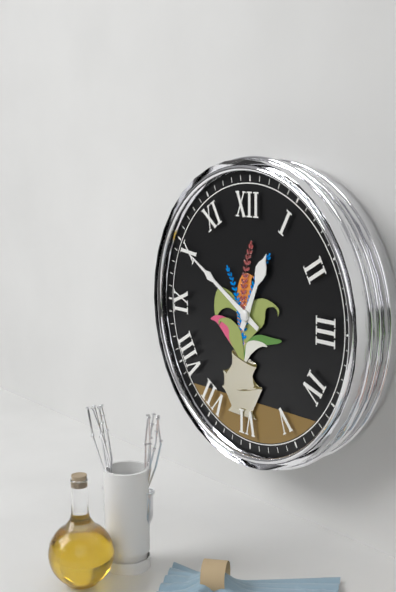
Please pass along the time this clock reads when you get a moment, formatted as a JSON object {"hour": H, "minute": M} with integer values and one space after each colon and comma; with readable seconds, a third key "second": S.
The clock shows {"hour": 12, "minute": 50}
